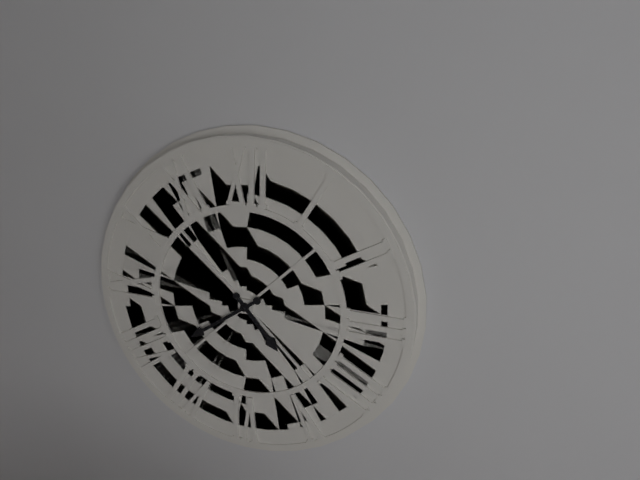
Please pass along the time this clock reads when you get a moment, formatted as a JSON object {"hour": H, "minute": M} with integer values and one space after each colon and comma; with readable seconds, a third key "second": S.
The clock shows {"hour": 4, "minute": 39}
